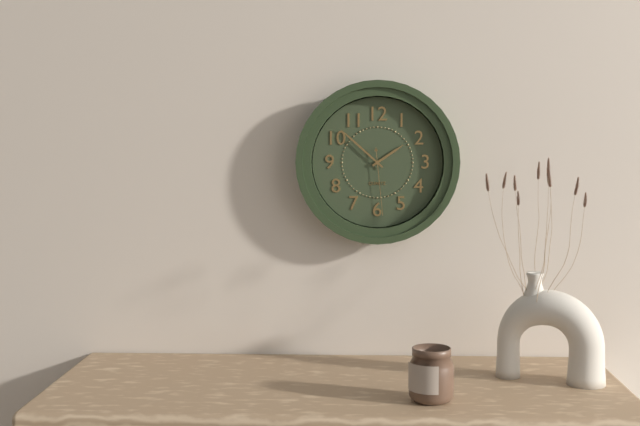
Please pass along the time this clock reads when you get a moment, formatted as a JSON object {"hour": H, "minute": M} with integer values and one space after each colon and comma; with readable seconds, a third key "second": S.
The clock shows {"hour": 1, "minute": 52, "second": 29}
